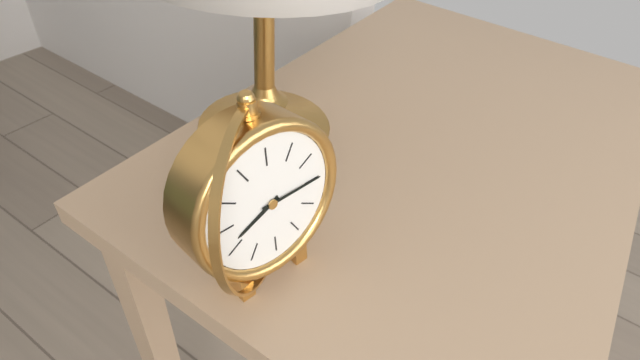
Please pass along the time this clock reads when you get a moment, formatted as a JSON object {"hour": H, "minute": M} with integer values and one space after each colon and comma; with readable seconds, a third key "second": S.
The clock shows {"hour": 8, "minute": 15}
